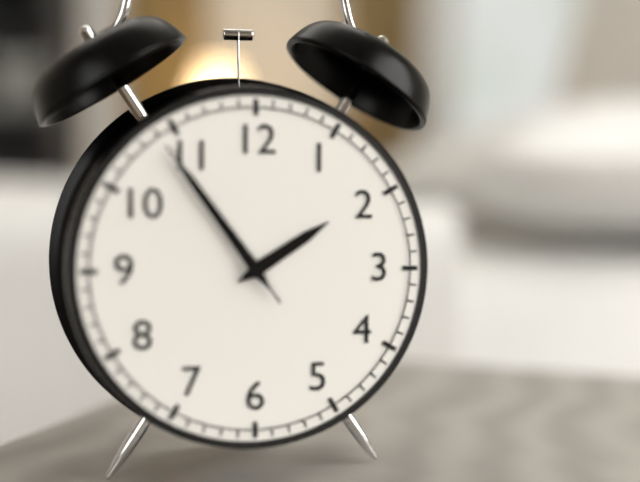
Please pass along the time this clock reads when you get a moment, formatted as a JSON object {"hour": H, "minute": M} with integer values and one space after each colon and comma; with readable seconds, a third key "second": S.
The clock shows {"hour": 1, "minute": 54, "second": 54}
